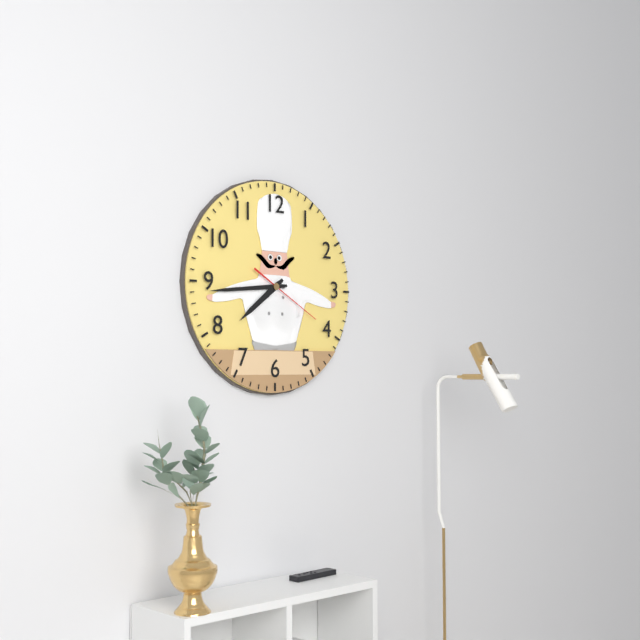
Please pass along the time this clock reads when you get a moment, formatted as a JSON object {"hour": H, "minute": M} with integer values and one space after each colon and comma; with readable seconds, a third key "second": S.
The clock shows {"hour": 7, "minute": 44, "second": 20}
